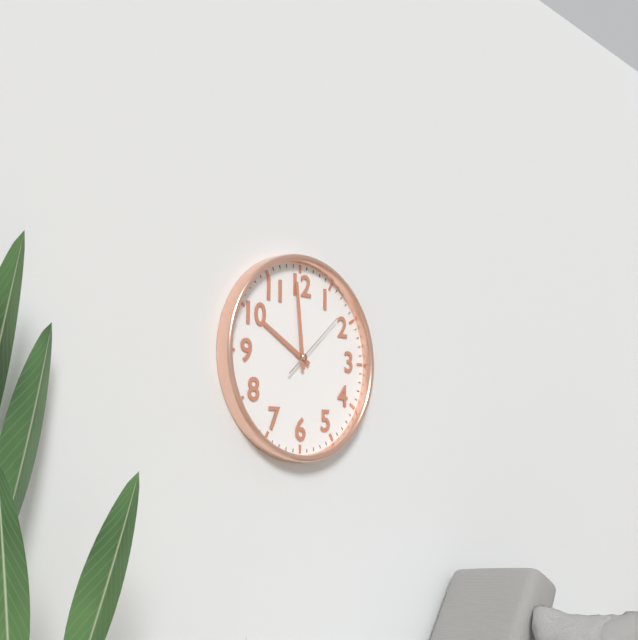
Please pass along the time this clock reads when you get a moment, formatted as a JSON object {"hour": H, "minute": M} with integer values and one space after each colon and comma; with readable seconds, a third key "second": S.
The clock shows {"hour": 9, "minute": 59, "second": 8}
